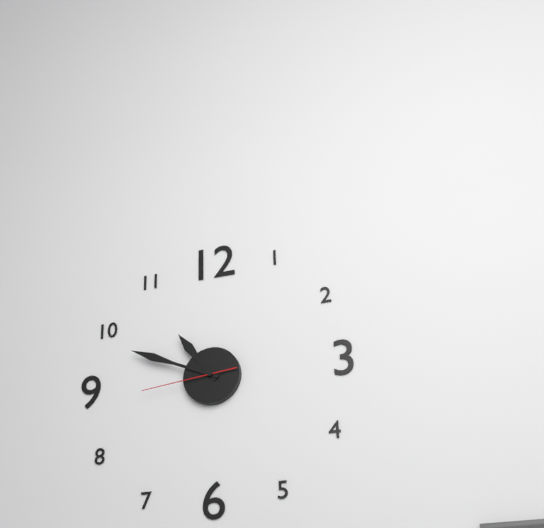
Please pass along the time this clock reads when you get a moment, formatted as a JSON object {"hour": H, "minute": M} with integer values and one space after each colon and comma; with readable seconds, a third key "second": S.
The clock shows {"hour": 10, "minute": 49, "second": 44}
